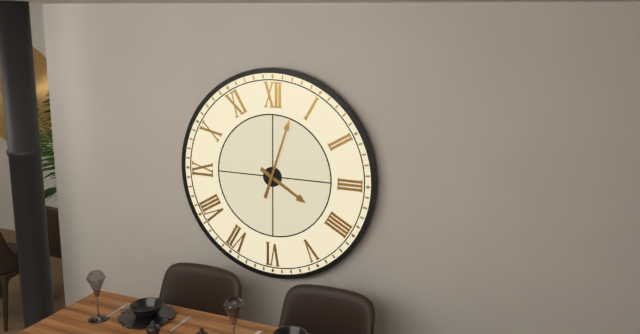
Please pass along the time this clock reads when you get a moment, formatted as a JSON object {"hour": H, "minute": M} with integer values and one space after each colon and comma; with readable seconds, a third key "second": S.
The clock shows {"hour": 4, "minute": 3}
